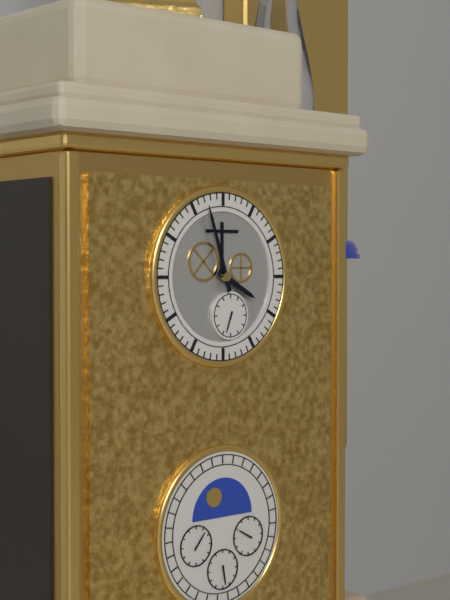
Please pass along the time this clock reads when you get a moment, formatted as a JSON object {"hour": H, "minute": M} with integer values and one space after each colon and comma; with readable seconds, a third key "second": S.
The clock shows {"hour": 3, "minute": 57}
